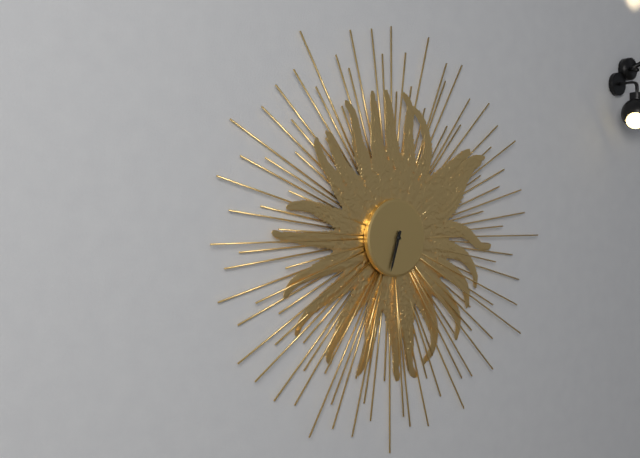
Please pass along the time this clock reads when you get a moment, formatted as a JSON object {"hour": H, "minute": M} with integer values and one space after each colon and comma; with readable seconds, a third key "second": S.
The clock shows {"hour": 6, "minute": 33}
